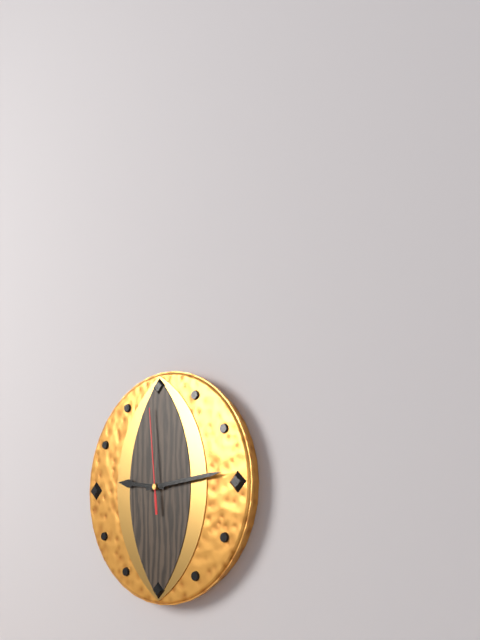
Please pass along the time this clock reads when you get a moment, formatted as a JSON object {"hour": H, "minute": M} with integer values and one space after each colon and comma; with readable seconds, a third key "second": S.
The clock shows {"hour": 9, "minute": 14, "second": 59}
